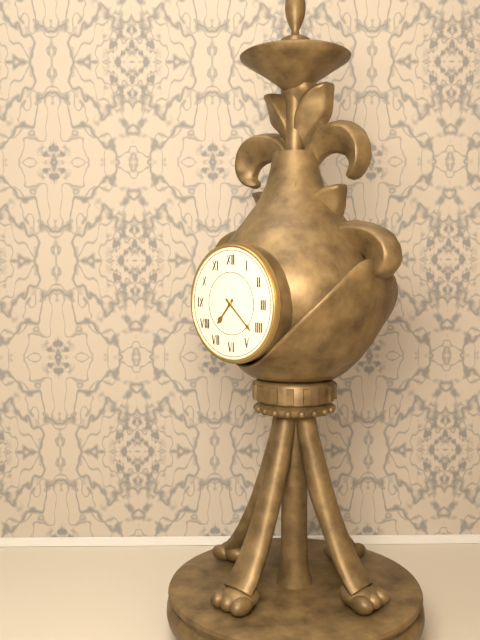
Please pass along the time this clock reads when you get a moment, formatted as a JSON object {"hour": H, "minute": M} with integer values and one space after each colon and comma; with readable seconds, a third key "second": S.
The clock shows {"hour": 7, "minute": 22}
